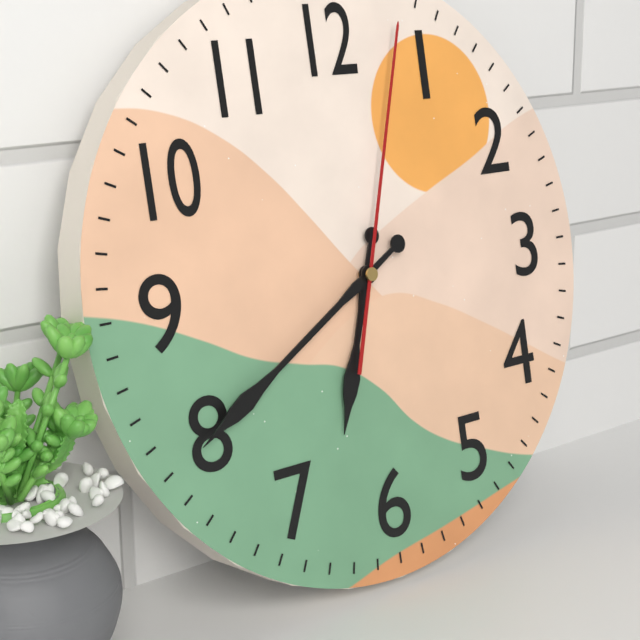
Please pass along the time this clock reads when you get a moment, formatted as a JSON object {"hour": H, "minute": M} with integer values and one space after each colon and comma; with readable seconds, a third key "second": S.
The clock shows {"hour": 6, "minute": 40, "second": 3}
